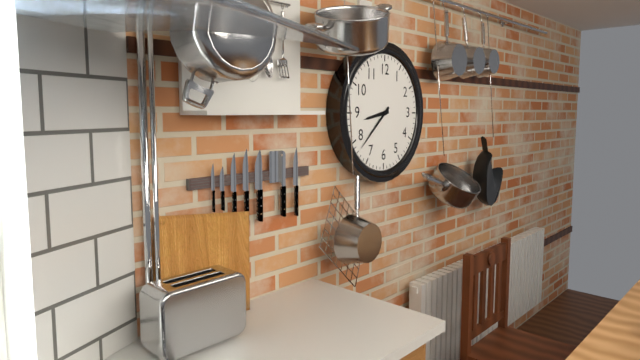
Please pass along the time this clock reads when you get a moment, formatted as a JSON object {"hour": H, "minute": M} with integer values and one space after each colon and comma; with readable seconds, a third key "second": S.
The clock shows {"hour": 8, "minute": 38}
